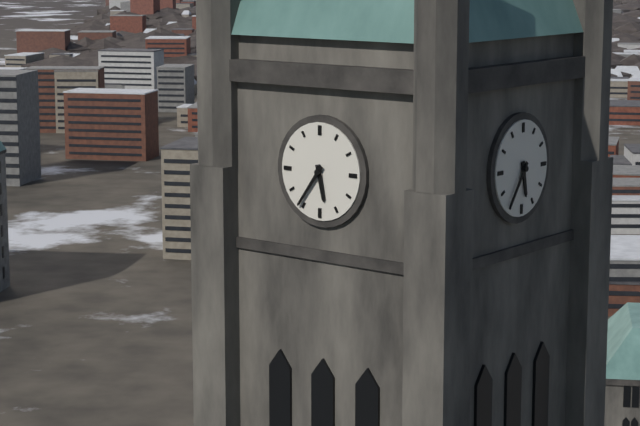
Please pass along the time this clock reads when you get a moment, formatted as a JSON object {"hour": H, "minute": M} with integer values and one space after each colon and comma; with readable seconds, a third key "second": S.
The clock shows {"hour": 5, "minute": 36}
